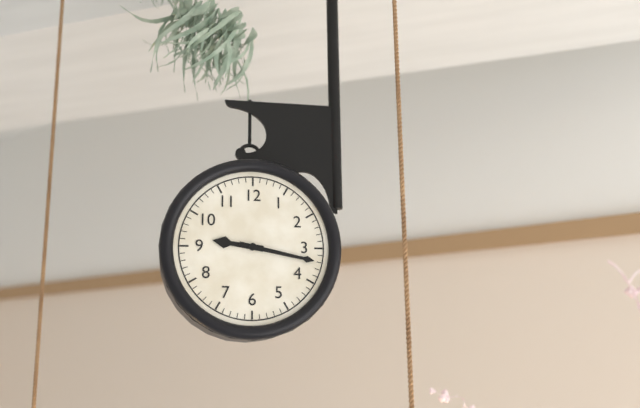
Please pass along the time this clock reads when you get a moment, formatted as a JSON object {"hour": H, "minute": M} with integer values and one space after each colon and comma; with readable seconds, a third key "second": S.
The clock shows {"hour": 9, "minute": 17}
